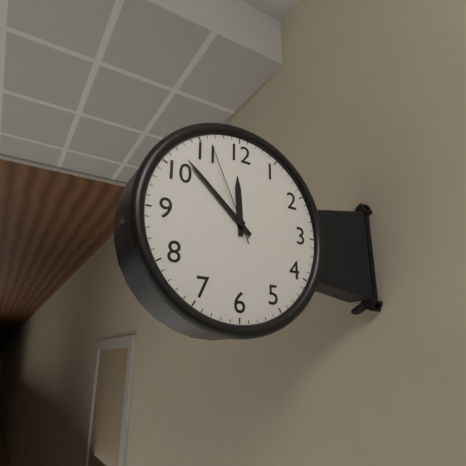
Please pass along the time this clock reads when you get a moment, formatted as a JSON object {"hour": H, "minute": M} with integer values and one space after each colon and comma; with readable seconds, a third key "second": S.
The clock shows {"hour": 11, "minute": 52, "second": 56}
